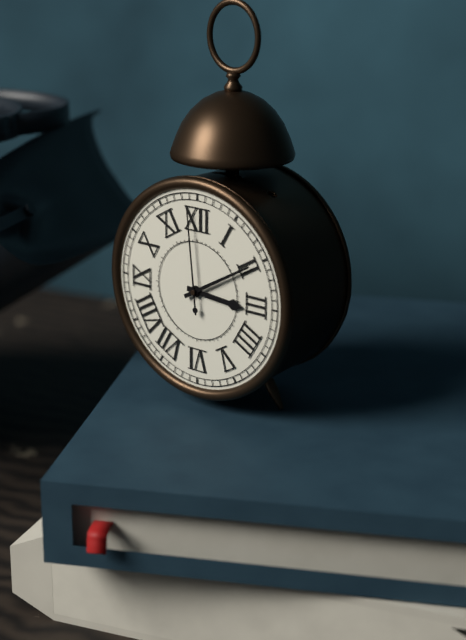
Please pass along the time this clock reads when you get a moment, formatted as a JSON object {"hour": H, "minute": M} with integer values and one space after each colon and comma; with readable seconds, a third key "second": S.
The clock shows {"hour": 3, "minute": 10, "second": 59}
